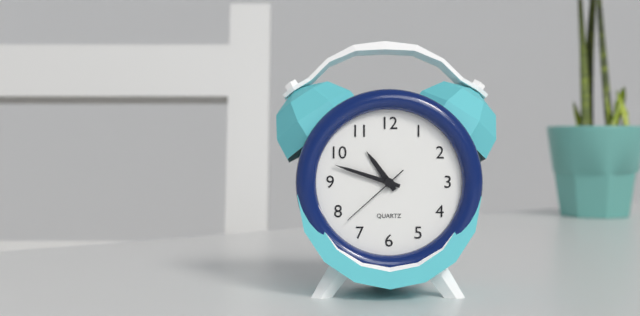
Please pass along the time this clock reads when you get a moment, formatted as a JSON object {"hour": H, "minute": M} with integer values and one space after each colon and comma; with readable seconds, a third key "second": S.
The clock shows {"hour": 10, "minute": 48, "second": 38}
